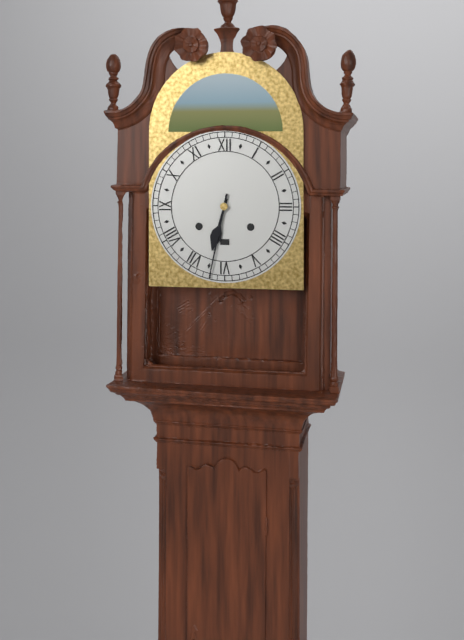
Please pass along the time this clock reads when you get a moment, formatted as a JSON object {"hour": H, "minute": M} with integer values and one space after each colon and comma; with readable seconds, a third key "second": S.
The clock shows {"hour": 6, "minute": 32}
